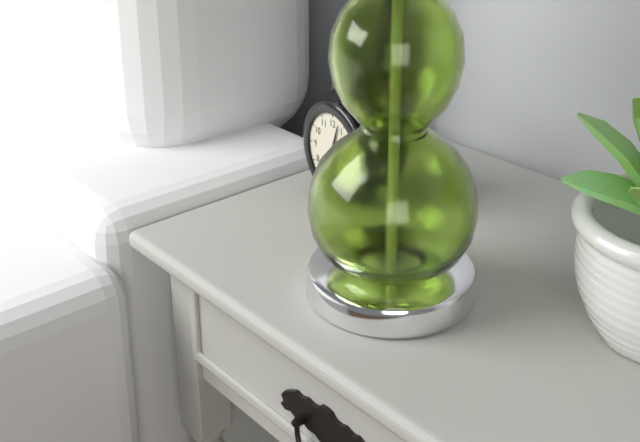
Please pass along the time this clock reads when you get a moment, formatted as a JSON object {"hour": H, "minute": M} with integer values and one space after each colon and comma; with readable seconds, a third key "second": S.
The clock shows {"hour": 4, "minute": 3}
